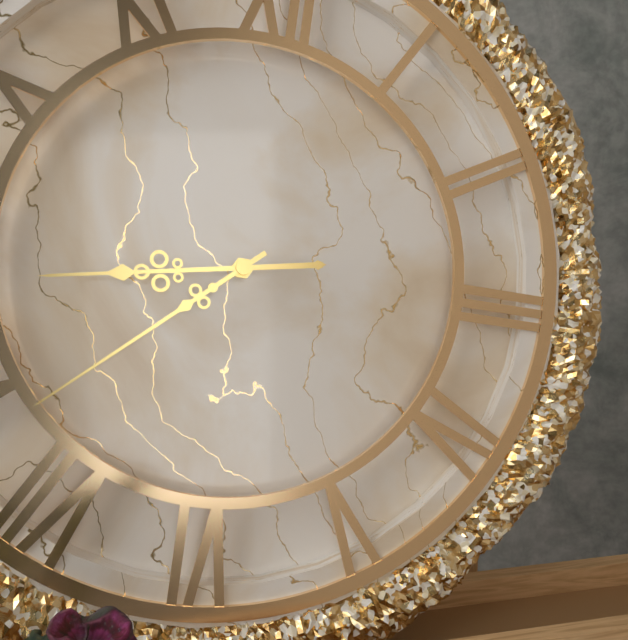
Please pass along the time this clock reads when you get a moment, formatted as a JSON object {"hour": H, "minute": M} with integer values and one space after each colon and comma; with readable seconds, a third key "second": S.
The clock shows {"hour": 8, "minute": 38}
